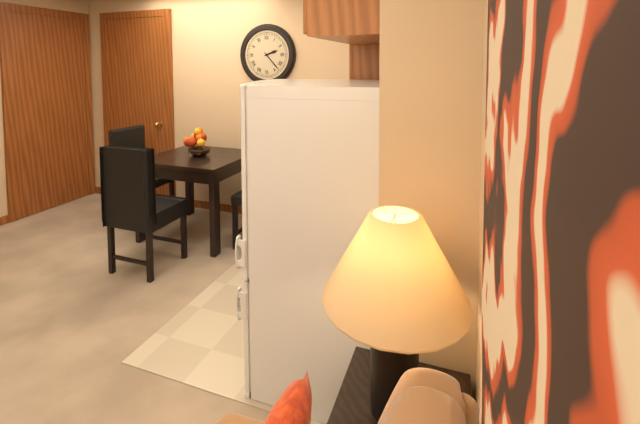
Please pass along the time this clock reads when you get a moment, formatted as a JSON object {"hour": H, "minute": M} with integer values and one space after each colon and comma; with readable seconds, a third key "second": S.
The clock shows {"hour": 2, "minute": 23}
